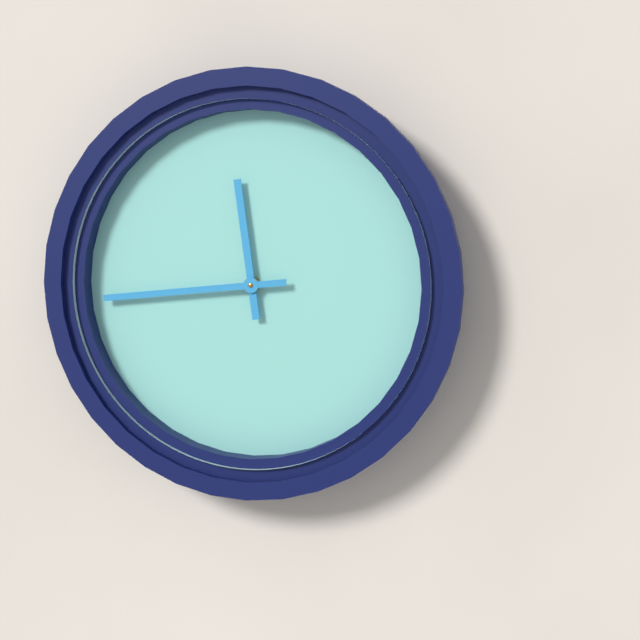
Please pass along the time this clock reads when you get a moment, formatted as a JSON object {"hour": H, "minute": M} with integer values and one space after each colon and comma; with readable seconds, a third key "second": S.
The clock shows {"hour": 11, "minute": 44}
